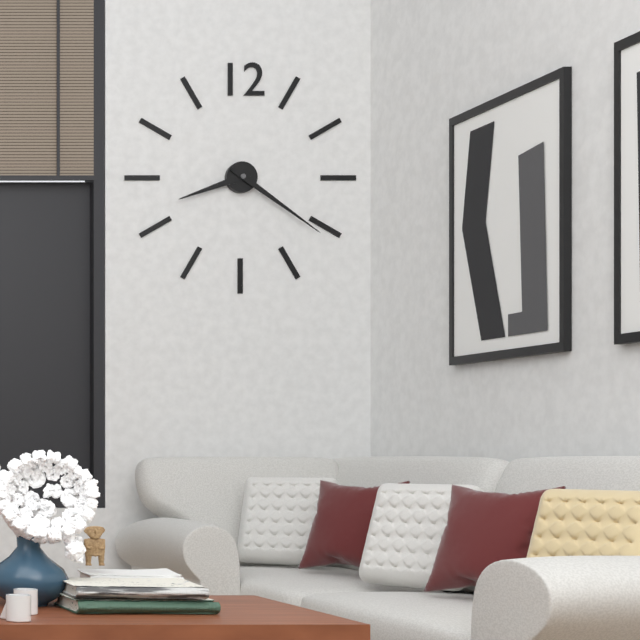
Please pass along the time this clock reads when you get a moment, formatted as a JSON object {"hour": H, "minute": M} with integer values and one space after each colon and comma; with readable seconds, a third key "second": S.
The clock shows {"hour": 8, "minute": 21}
